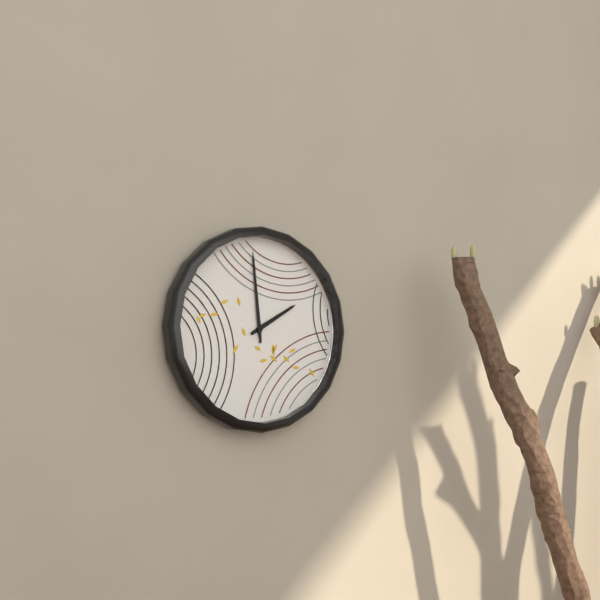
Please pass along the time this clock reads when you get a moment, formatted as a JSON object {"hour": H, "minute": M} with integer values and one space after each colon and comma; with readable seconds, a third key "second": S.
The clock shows {"hour": 1, "minute": 59}
